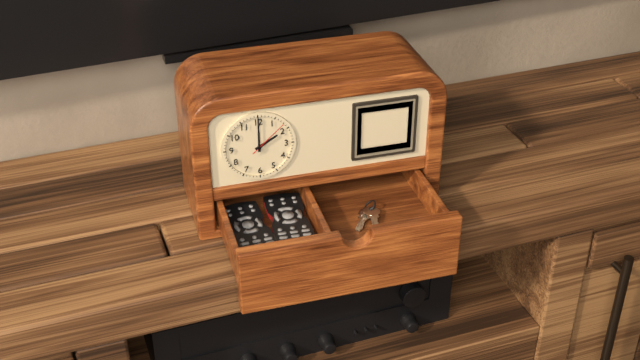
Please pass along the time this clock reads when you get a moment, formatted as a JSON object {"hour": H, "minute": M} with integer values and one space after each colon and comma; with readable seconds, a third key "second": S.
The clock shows {"hour": 2, "minute": 0}
